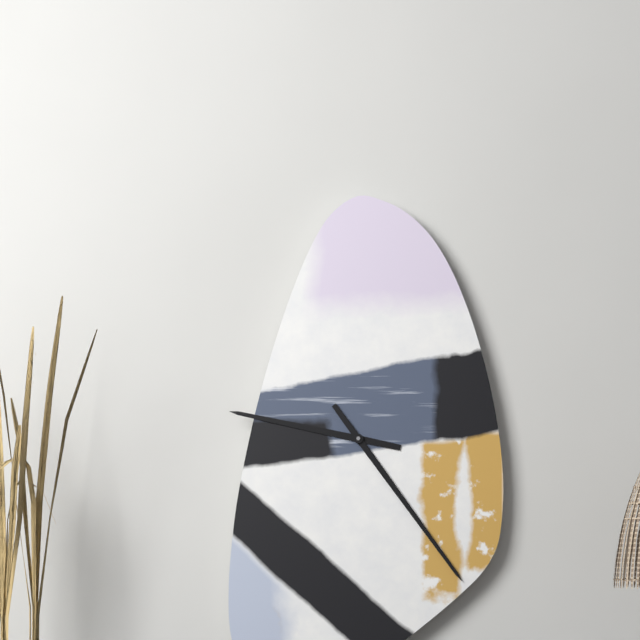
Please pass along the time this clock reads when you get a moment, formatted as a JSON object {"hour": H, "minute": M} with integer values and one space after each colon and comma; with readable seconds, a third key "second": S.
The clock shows {"hour": 9, "minute": 24}
